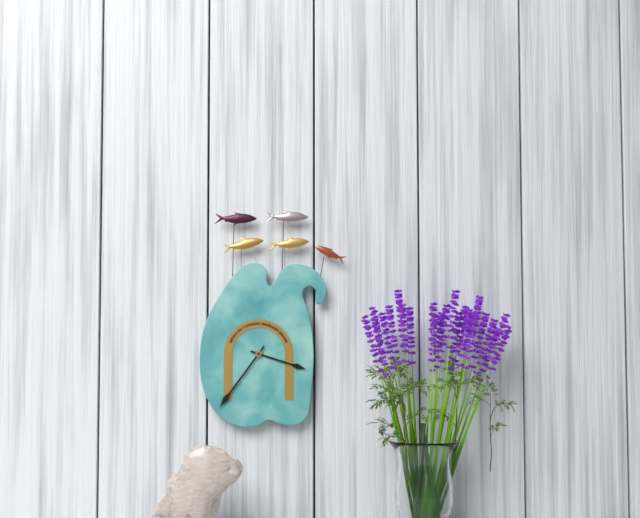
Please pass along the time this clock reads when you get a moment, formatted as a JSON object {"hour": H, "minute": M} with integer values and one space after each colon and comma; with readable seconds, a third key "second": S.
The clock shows {"hour": 3, "minute": 36}
